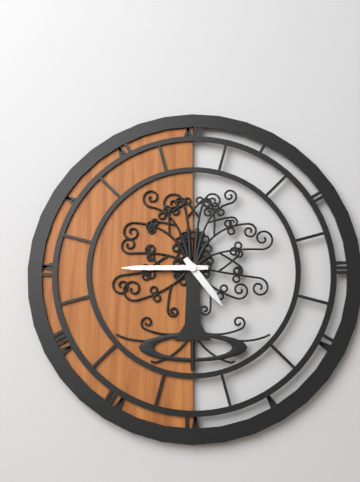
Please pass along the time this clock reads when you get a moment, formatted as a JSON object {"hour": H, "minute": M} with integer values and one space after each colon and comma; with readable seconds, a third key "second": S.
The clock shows {"hour": 4, "minute": 45}
